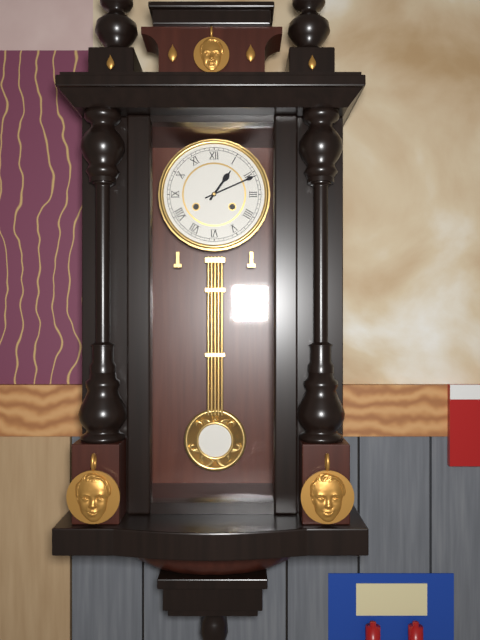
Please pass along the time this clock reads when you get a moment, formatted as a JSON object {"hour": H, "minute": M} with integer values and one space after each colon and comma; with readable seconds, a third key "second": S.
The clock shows {"hour": 1, "minute": 11}
